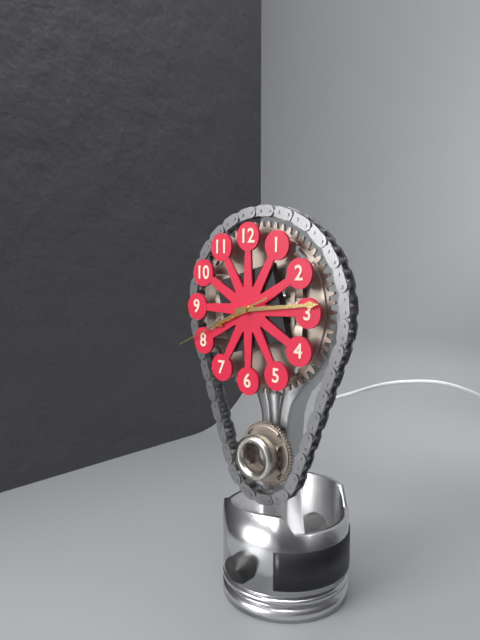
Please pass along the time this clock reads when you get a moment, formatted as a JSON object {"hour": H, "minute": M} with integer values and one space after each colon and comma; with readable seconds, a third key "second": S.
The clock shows {"hour": 8, "minute": 14, "second": 41}
